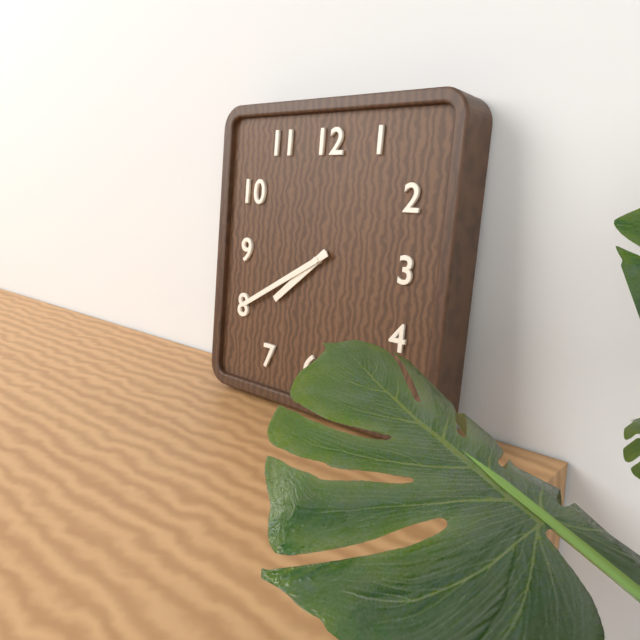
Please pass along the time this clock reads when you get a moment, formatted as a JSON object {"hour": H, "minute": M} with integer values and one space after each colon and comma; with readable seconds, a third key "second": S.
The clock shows {"hour": 7, "minute": 40}
